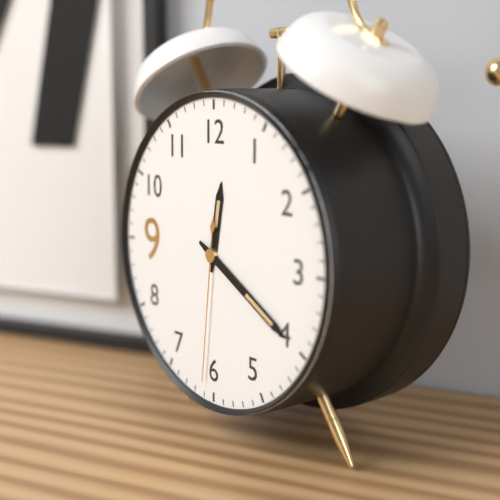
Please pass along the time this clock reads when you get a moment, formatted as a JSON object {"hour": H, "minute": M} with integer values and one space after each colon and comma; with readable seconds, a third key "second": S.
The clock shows {"hour": 12, "minute": 20, "second": 31}
